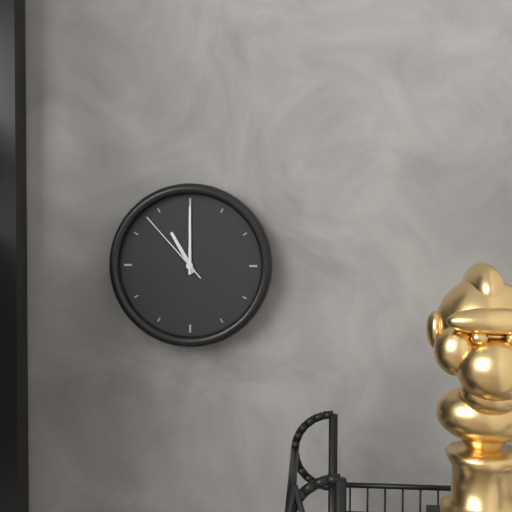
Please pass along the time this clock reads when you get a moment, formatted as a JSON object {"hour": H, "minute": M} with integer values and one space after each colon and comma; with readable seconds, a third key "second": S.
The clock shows {"hour": 11, "minute": 0, "second": 53}
